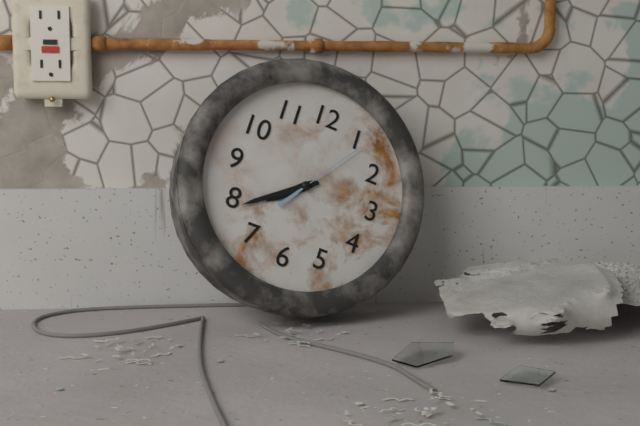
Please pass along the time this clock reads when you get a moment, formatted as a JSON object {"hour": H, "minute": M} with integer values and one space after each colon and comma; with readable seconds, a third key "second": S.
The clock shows {"hour": 7, "minute": 39, "second": 6}
